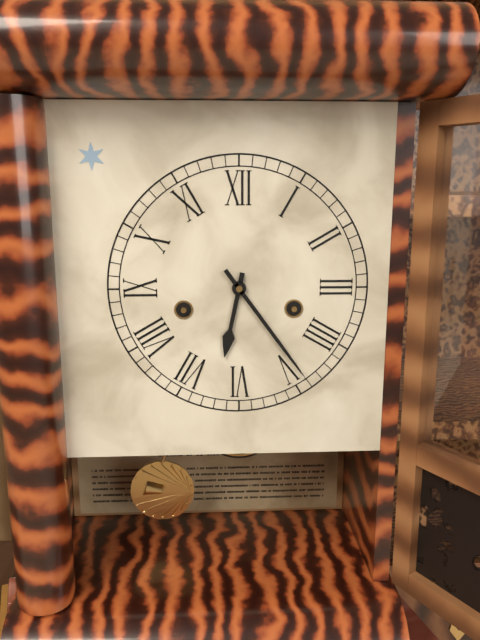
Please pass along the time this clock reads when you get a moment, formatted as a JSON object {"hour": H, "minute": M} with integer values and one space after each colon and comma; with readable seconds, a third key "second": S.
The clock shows {"hour": 6, "minute": 24}
